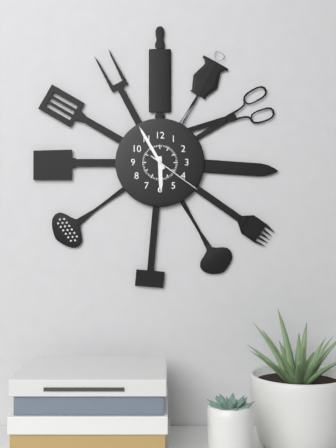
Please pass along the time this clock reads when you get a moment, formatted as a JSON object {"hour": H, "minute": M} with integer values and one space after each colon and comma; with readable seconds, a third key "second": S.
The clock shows {"hour": 5, "minute": 55, "second": 21}
